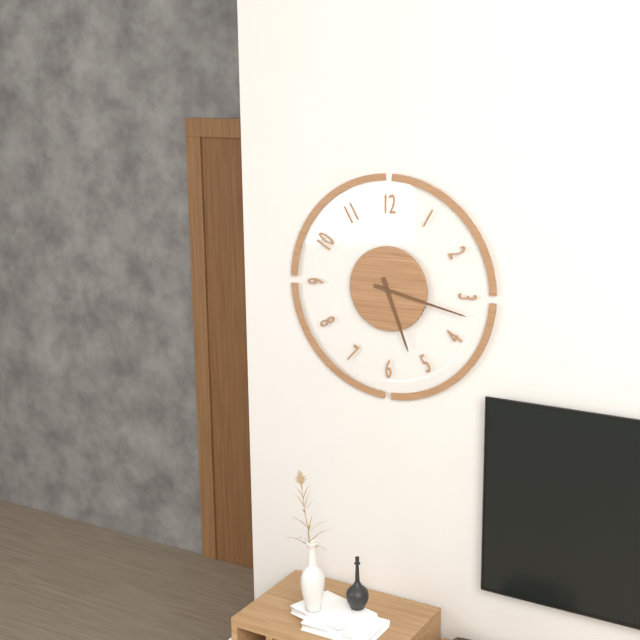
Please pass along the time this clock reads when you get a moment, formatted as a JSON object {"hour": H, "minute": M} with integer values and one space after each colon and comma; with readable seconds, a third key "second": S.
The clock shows {"hour": 5, "minute": 17}
